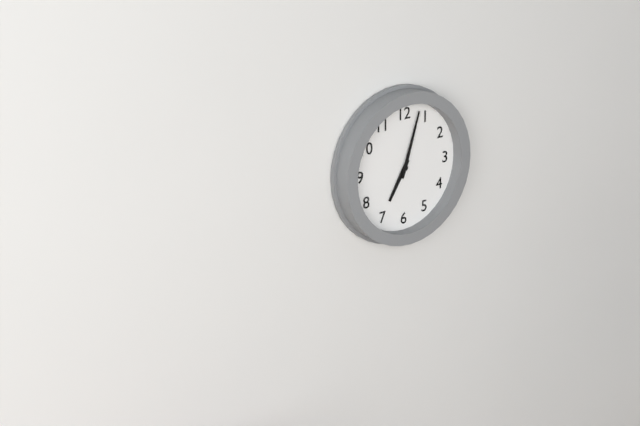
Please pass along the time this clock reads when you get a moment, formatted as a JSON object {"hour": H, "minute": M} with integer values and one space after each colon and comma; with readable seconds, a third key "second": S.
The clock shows {"hour": 7, "minute": 3}
